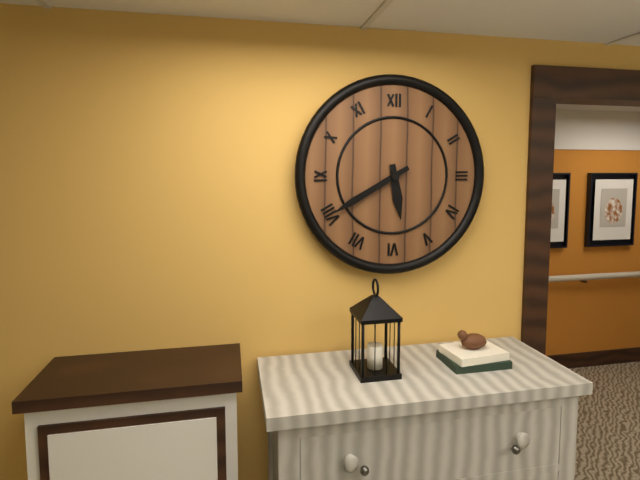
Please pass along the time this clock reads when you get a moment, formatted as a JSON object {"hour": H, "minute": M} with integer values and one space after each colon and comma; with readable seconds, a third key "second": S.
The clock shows {"hour": 5, "minute": 40}
